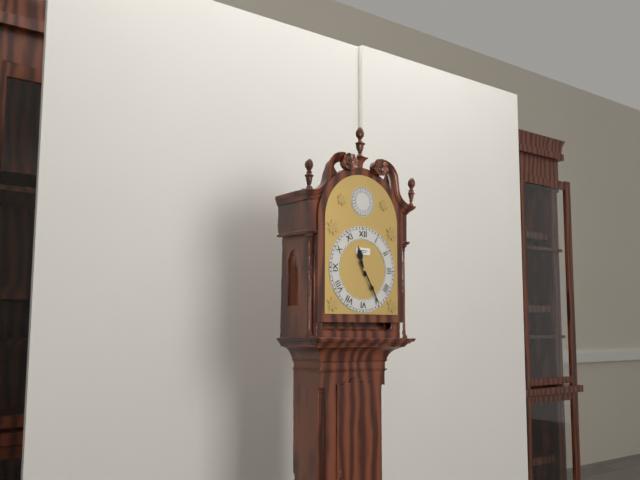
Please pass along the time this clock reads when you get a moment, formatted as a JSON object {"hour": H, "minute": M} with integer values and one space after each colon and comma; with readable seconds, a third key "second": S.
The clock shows {"hour": 11, "minute": 25}
